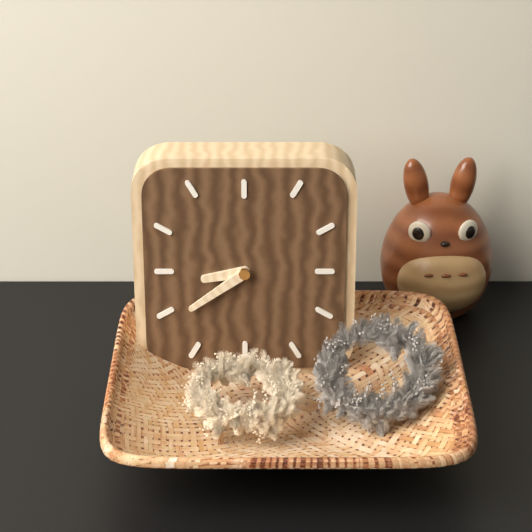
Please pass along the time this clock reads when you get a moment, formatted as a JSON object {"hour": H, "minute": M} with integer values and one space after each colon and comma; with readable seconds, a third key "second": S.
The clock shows {"hour": 8, "minute": 39}
